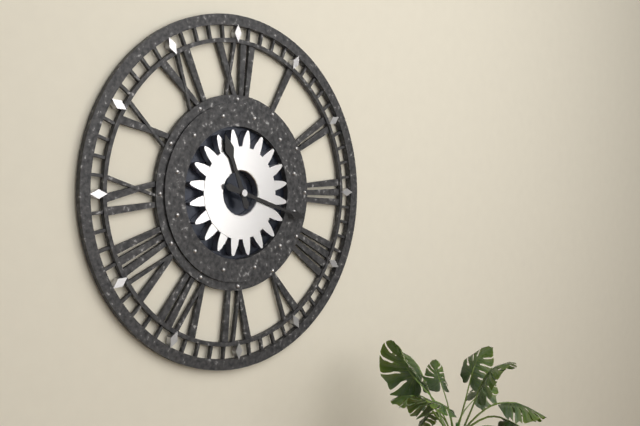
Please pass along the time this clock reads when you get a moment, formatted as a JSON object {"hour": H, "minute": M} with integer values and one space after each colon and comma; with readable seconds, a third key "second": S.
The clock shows {"hour": 11, "minute": 18}
